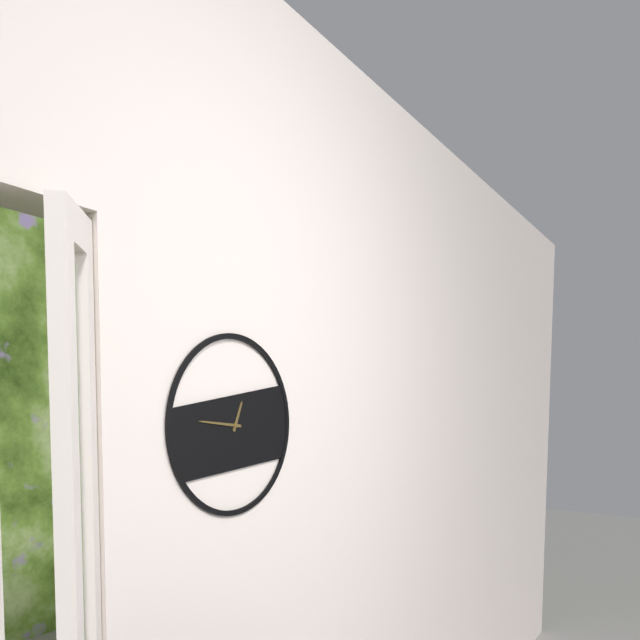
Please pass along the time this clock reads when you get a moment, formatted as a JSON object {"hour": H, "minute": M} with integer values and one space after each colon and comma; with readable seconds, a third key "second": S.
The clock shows {"hour": 12, "minute": 46}
